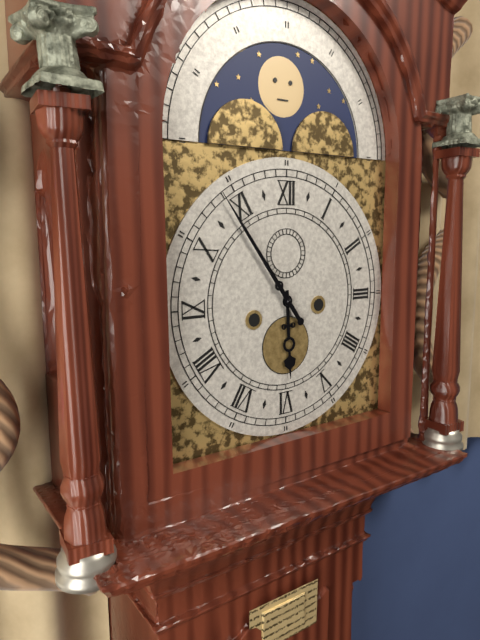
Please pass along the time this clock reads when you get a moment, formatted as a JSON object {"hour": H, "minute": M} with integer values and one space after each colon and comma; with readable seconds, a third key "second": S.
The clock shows {"hour": 5, "minute": 54}
